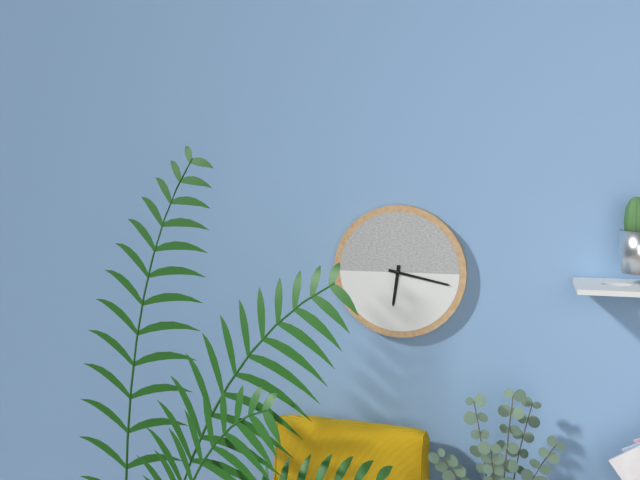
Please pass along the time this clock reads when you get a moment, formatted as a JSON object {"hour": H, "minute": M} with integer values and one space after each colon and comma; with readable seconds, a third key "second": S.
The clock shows {"hour": 6, "minute": 17}
